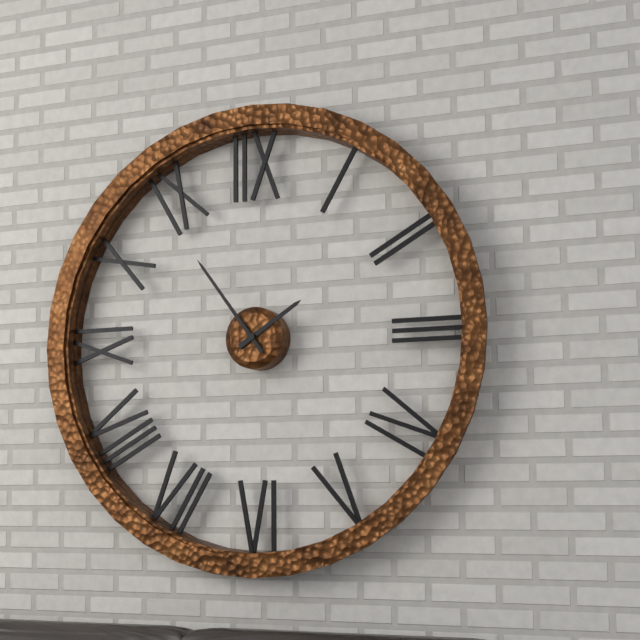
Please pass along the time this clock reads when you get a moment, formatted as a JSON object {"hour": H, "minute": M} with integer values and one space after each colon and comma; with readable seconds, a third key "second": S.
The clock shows {"hour": 1, "minute": 54}
